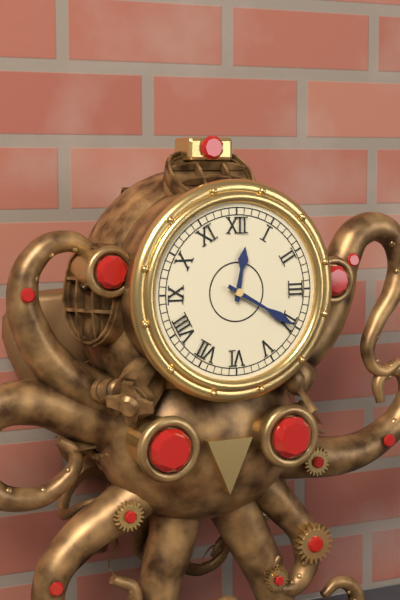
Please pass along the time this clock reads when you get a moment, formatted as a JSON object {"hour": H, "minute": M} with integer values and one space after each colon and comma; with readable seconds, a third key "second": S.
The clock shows {"hour": 12, "minute": 20}
